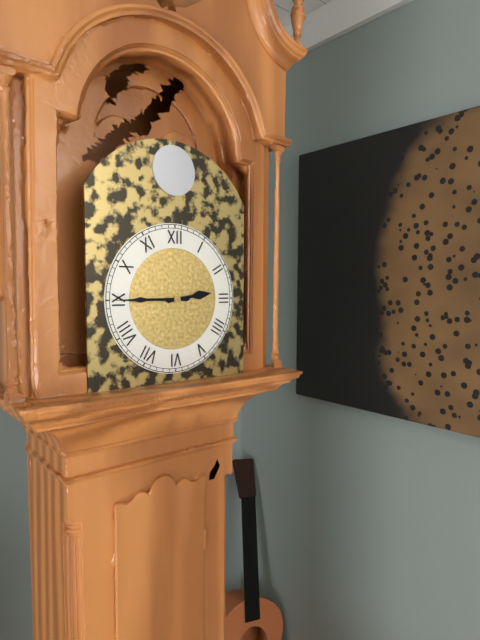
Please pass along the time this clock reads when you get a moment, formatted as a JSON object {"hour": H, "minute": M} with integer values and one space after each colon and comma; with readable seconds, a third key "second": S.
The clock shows {"hour": 2, "minute": 45}
